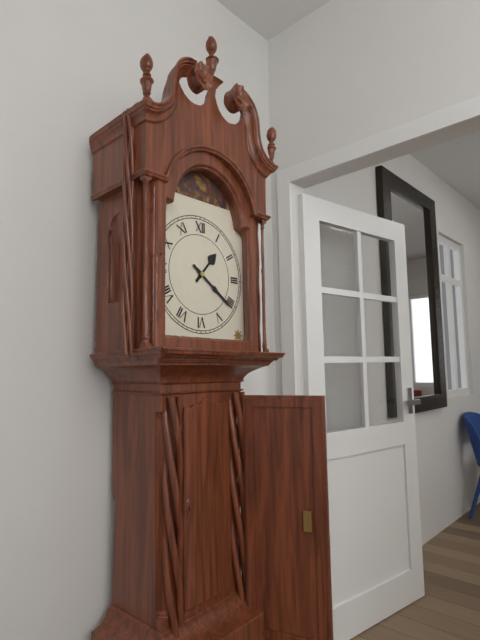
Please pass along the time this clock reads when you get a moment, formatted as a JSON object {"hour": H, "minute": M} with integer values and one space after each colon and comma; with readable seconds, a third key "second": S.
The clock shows {"hour": 1, "minute": 21}
